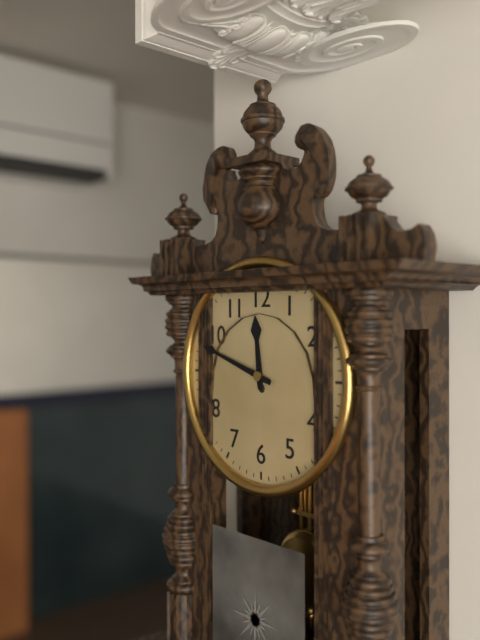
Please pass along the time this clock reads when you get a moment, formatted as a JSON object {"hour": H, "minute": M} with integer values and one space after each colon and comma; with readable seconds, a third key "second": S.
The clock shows {"hour": 11, "minute": 48}
